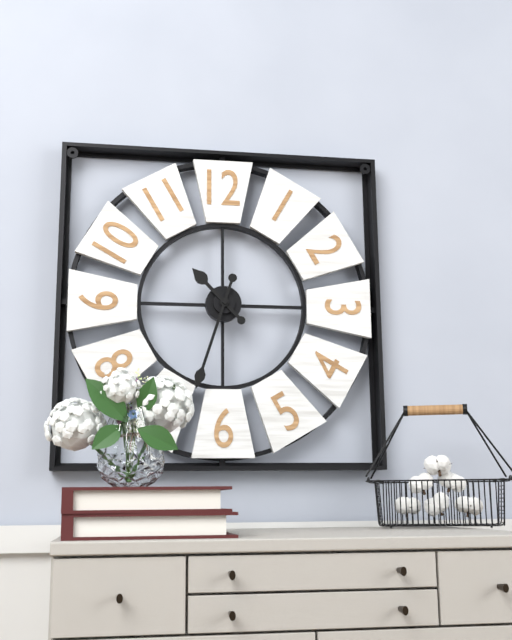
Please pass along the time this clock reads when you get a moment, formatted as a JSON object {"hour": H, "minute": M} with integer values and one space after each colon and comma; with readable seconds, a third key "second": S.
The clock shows {"hour": 10, "minute": 33}
